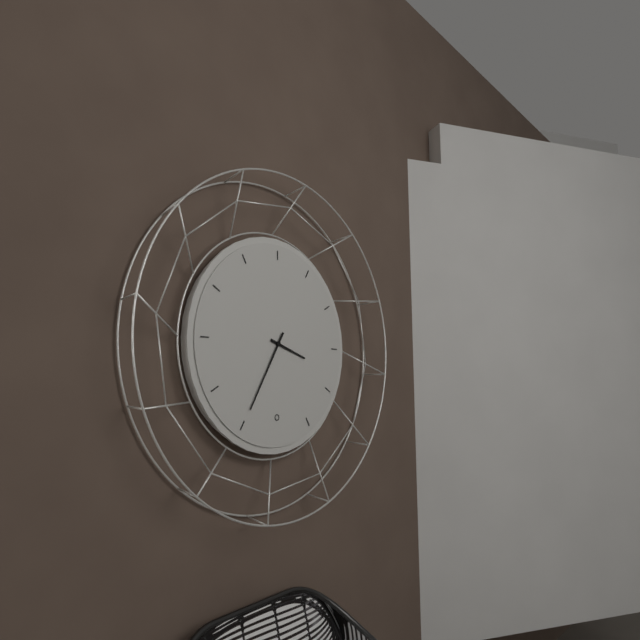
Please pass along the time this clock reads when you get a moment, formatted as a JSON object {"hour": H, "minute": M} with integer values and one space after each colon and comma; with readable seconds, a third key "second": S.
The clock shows {"hour": 3, "minute": 35}
